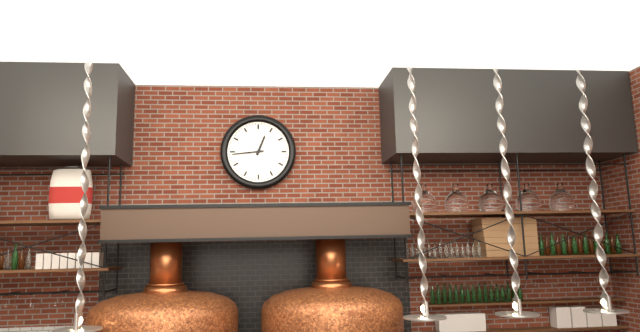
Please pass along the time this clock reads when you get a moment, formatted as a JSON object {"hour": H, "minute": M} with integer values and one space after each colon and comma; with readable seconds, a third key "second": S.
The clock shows {"hour": 12, "minute": 44}
